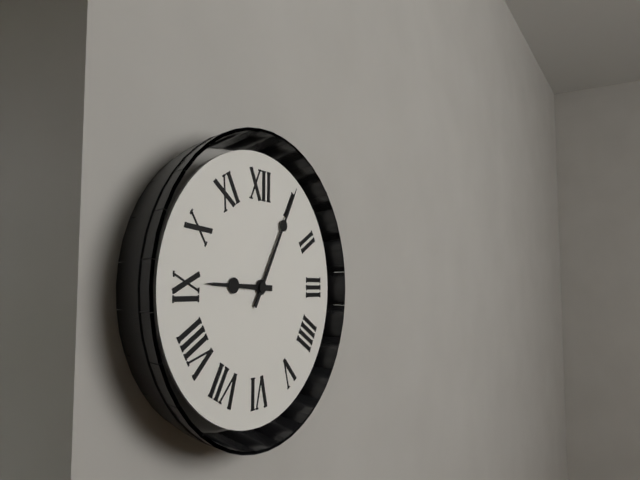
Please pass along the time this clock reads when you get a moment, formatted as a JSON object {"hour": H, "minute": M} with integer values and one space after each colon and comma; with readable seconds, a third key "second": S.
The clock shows {"hour": 9, "minute": 5}
